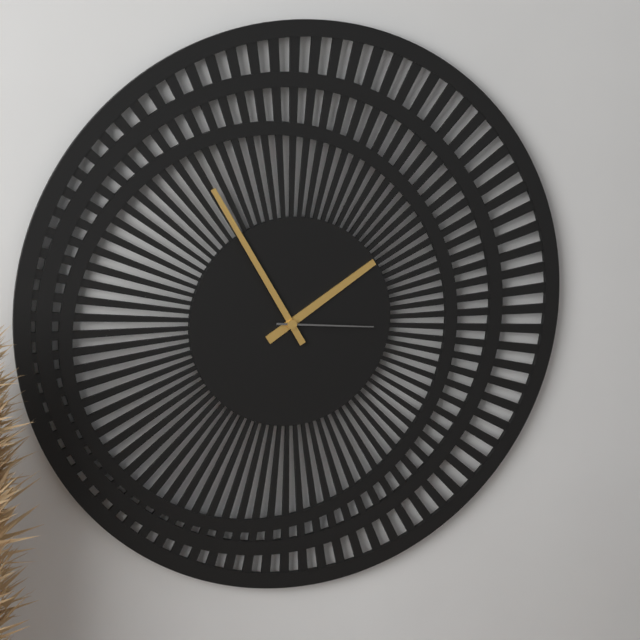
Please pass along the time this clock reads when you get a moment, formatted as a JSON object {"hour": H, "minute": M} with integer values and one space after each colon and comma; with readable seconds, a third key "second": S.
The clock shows {"hour": 1, "minute": 55, "second": 16}
